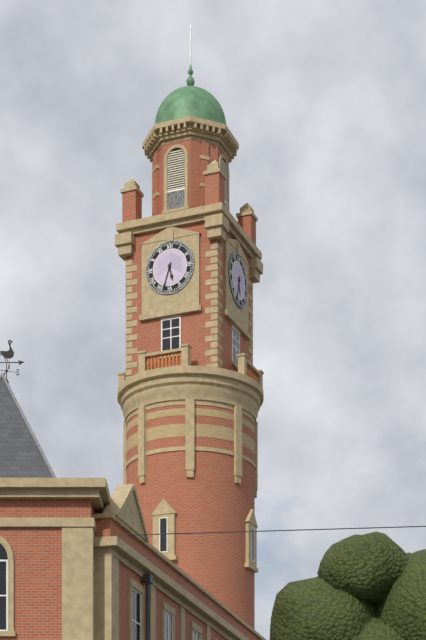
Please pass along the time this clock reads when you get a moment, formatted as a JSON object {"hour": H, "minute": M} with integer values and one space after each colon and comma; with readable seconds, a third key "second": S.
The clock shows {"hour": 5, "minute": 33}
